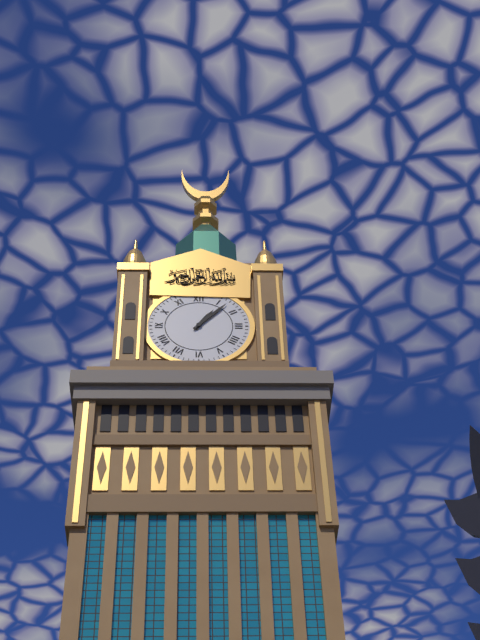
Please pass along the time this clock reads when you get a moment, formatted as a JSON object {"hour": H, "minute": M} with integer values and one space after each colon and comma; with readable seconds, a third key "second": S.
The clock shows {"hour": 1, "minute": 7}
